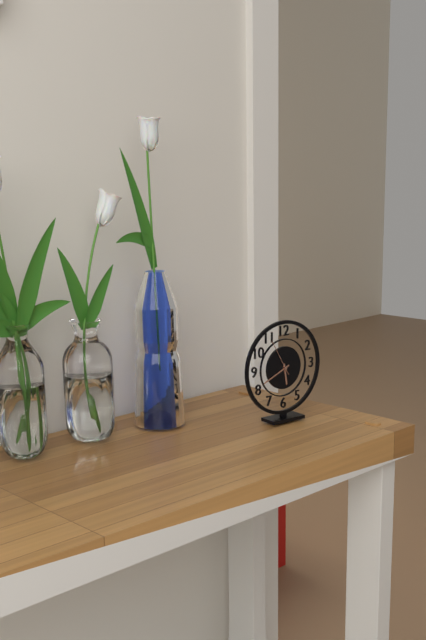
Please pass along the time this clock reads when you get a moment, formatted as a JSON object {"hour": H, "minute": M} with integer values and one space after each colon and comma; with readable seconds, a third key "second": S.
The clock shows {"hour": 5, "minute": 41}
